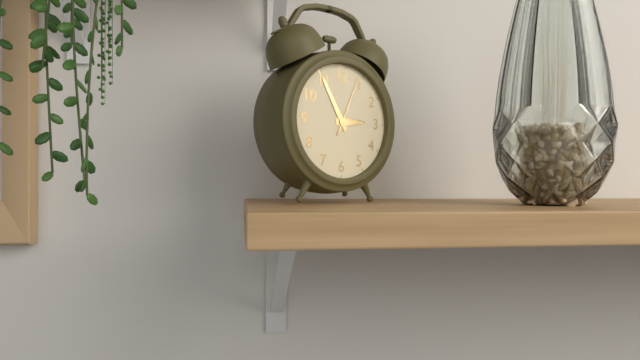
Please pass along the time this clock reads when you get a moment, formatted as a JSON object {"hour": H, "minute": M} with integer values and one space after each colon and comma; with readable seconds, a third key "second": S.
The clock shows {"hour": 2, "minute": 55, "second": 4}
